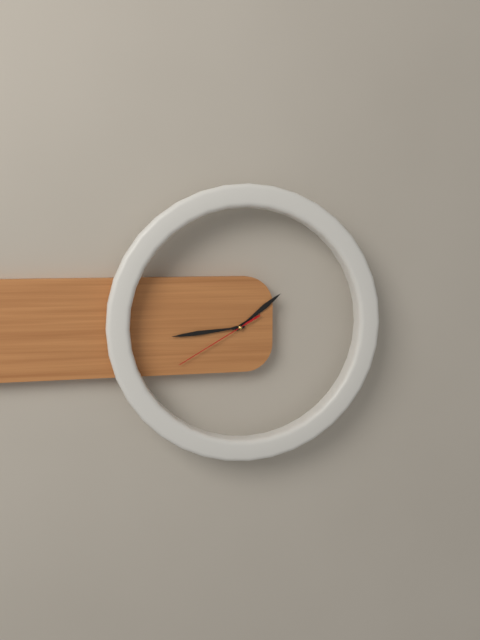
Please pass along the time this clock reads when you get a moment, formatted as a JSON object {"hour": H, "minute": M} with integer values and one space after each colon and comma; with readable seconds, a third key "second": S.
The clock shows {"hour": 1, "minute": 44, "second": 40}
